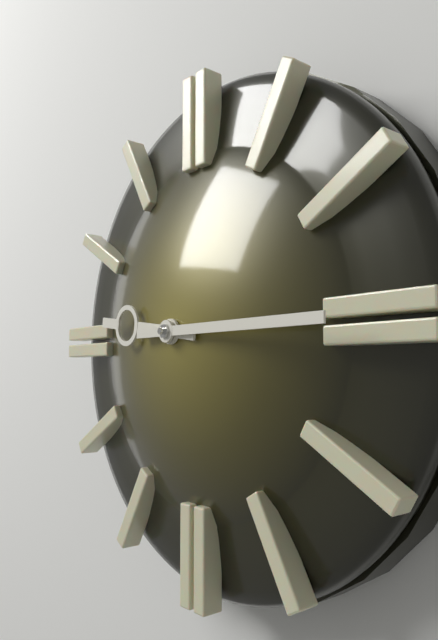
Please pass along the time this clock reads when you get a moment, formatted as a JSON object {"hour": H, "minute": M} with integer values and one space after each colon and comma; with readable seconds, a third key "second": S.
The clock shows {"hour": 9, "minute": 15}
